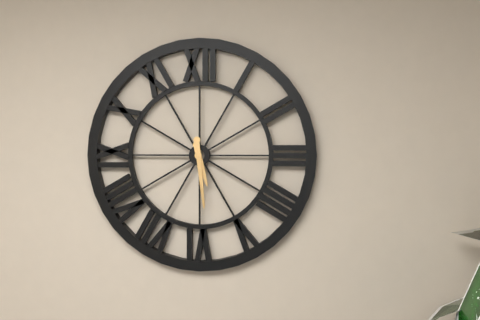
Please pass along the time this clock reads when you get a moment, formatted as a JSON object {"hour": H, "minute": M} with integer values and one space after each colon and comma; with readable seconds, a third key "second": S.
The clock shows {"hour": 5, "minute": 29}
